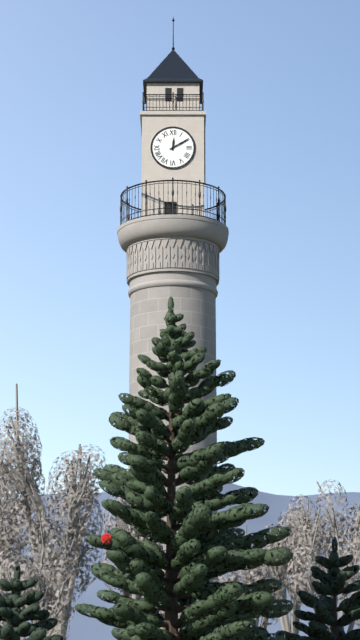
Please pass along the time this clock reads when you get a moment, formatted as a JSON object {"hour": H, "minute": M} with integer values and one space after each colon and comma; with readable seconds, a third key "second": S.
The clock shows {"hour": 12, "minute": 10}
